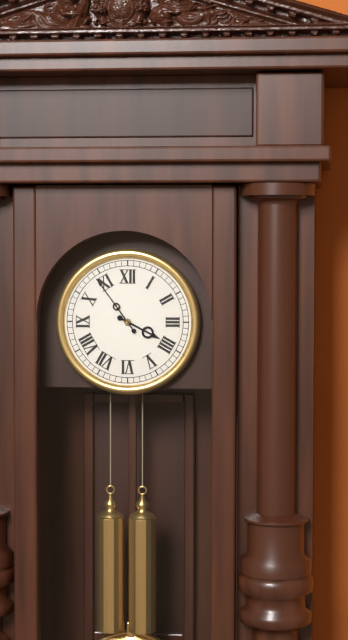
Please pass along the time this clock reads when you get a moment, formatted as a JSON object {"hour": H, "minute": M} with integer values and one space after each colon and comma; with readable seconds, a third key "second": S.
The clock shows {"hour": 3, "minute": 54}
